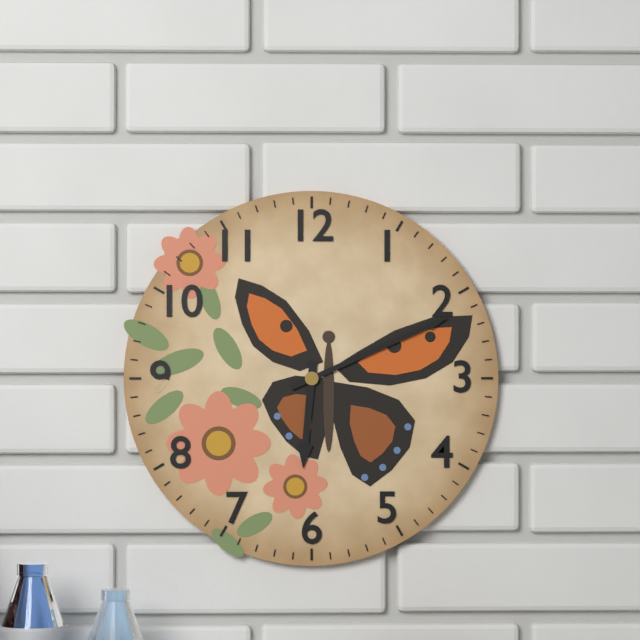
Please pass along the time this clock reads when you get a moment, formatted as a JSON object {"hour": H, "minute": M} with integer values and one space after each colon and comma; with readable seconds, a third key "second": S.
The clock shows {"hour": 6, "minute": 11}
